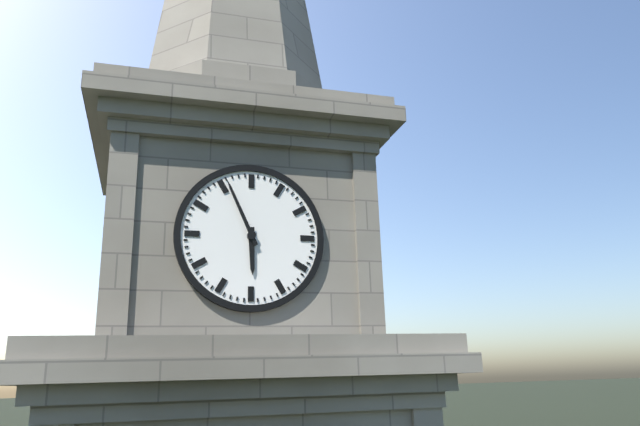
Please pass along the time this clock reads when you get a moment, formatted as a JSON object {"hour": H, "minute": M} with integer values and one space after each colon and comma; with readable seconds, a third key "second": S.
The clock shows {"hour": 5, "minute": 56}
